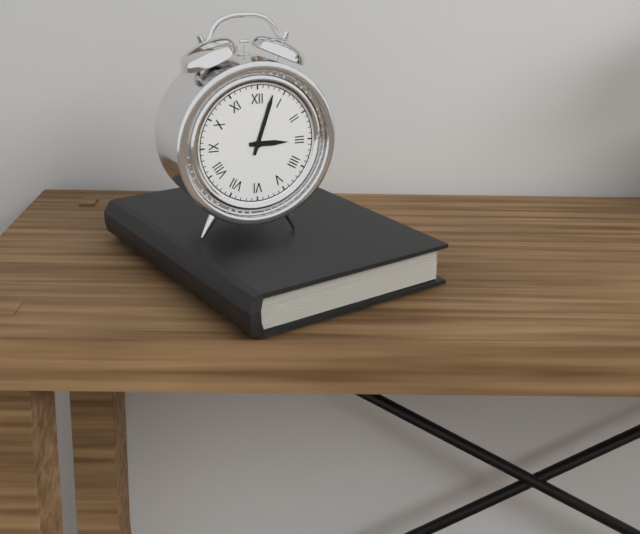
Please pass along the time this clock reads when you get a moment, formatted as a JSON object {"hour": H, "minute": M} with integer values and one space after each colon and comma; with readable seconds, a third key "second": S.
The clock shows {"hour": 3, "minute": 3}
